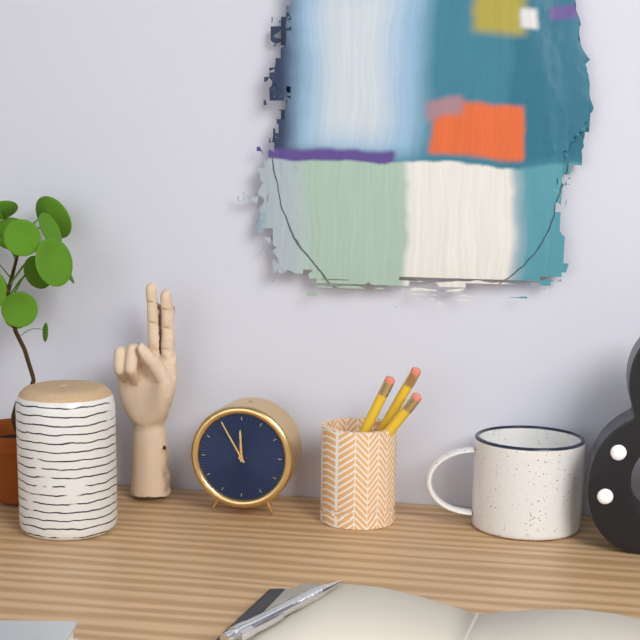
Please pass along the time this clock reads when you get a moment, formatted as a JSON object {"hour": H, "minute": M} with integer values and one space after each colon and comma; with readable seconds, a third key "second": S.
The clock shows {"hour": 11, "minute": 55}
